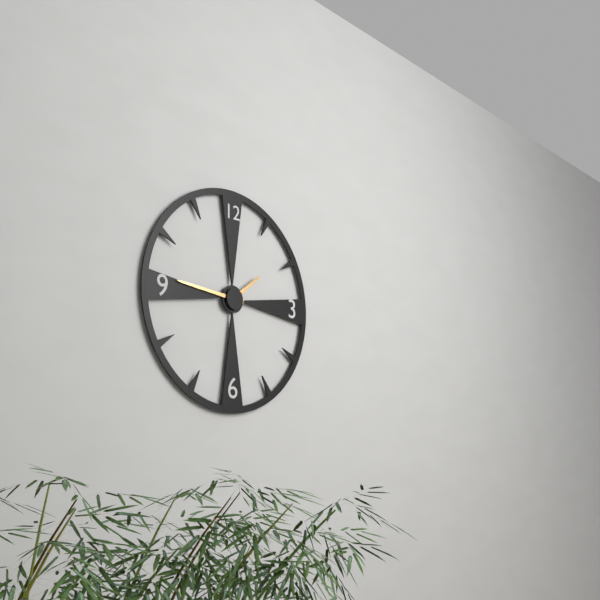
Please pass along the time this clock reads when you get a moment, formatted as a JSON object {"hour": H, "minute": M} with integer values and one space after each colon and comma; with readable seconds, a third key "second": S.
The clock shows {"hour": 1, "minute": 46}
